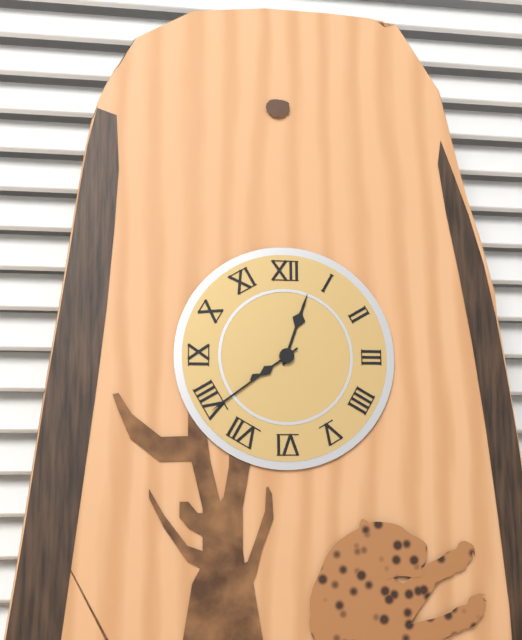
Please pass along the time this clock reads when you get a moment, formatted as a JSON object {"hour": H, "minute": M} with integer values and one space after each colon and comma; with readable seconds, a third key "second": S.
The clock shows {"hour": 12, "minute": 39}
